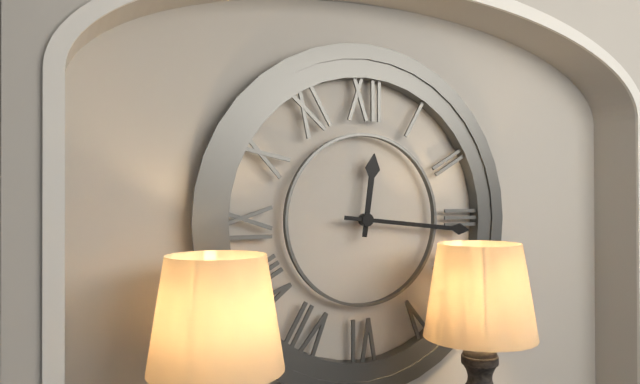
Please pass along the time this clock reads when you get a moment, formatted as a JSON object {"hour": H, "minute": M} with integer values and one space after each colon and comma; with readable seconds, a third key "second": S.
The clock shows {"hour": 12, "minute": 16}
